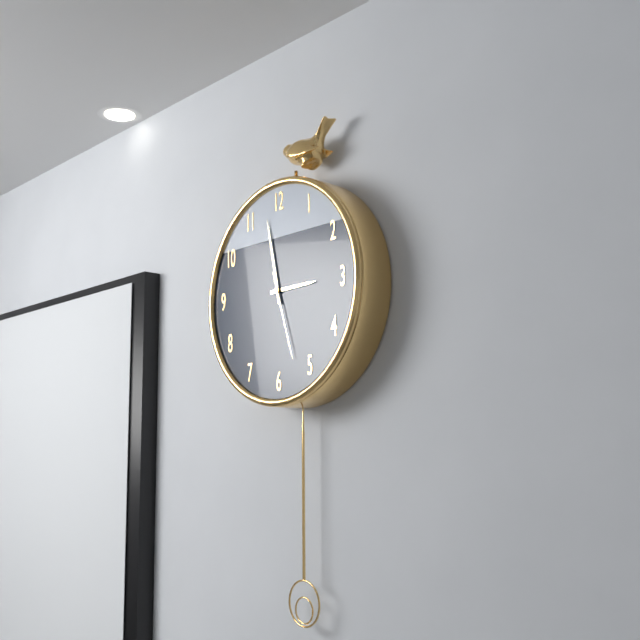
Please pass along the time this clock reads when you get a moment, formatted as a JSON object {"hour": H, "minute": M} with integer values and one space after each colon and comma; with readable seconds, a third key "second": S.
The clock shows {"hour": 2, "minute": 58, "second": 27}
